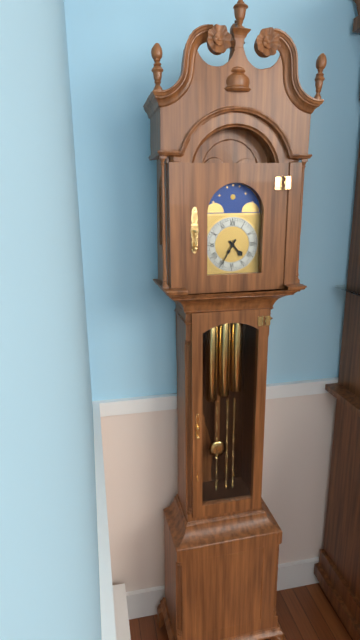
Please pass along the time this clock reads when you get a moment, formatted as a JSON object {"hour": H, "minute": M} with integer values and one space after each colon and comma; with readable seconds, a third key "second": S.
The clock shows {"hour": 4, "minute": 35}
